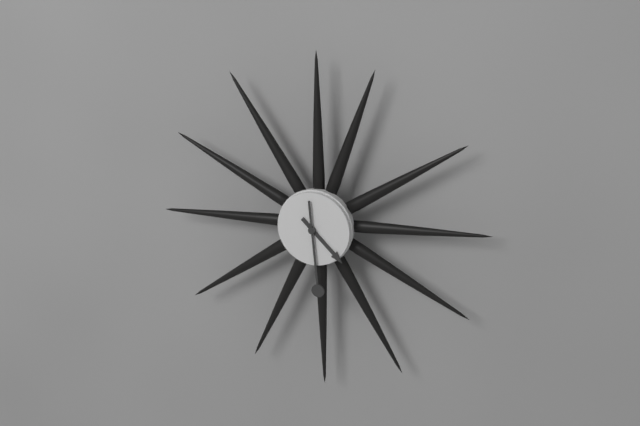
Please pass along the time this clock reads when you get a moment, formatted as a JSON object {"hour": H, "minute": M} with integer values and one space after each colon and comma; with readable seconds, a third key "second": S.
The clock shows {"hour": 4, "minute": 29}
